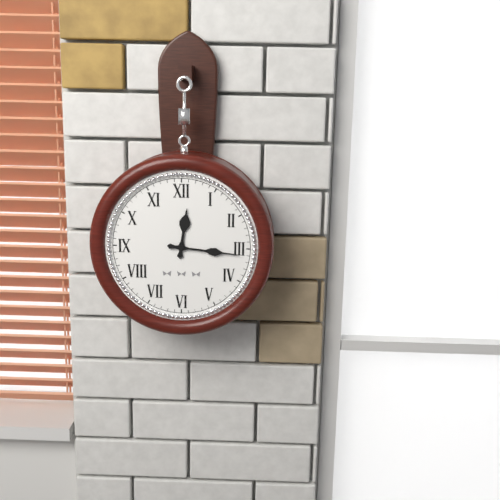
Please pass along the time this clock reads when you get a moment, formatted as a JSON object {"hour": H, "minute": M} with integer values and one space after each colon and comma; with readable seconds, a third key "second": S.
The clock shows {"hour": 12, "minute": 16}
